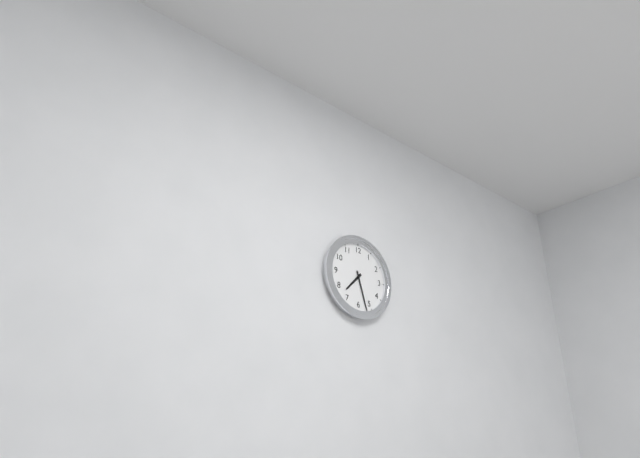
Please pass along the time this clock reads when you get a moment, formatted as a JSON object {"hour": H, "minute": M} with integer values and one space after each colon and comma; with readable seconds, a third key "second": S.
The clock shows {"hour": 7, "minute": 27}
